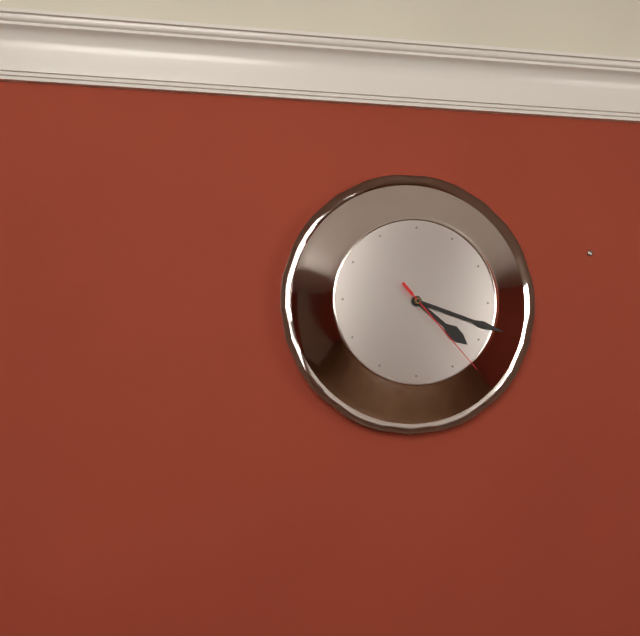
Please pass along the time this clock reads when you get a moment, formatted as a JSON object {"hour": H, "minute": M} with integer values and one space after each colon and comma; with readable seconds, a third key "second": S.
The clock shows {"hour": 4, "minute": 18, "second": 23}
